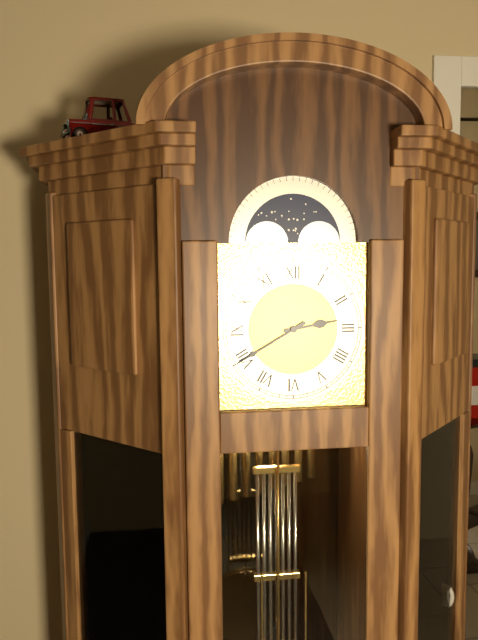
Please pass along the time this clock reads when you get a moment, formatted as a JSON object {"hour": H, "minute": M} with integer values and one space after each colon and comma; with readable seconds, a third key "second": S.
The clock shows {"hour": 2, "minute": 40}
